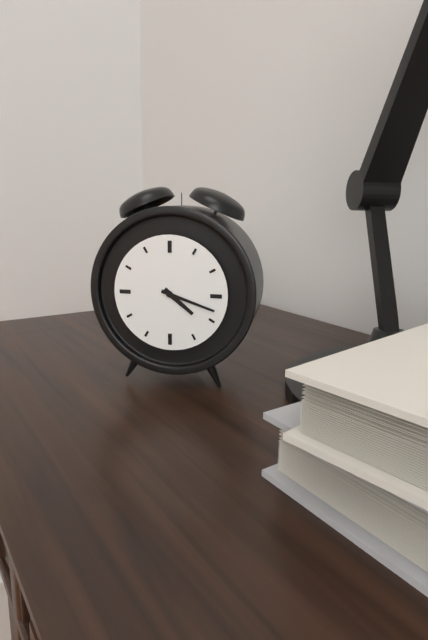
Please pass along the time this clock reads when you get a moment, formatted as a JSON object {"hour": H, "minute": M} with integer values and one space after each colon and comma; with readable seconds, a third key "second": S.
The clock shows {"hour": 4, "minute": 18}
